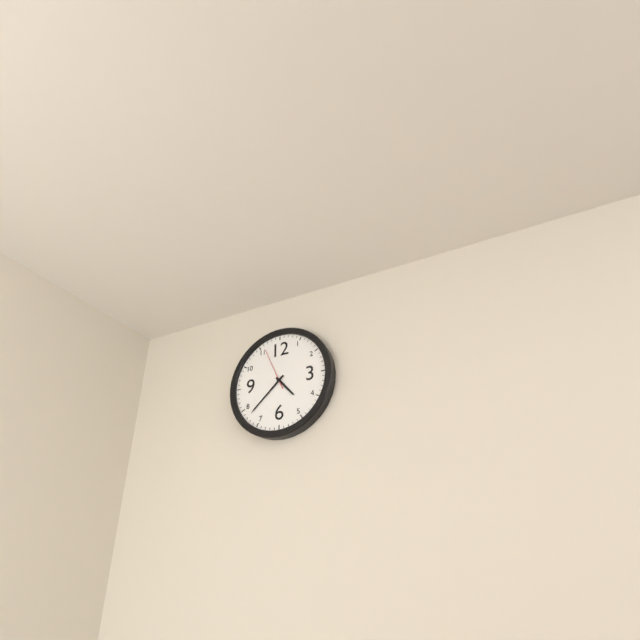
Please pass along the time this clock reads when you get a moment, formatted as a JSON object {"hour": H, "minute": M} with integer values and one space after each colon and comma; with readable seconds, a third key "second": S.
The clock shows {"hour": 4, "minute": 38}
